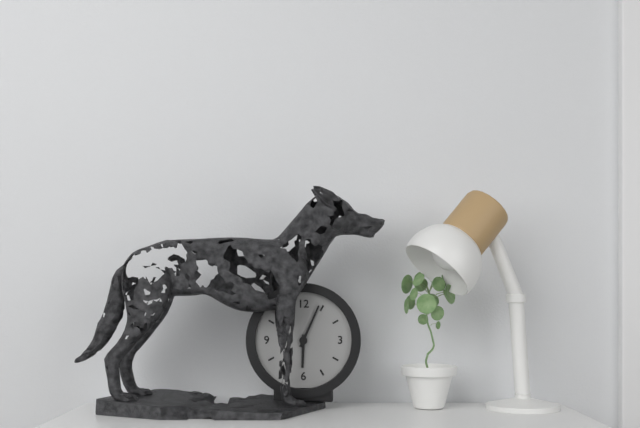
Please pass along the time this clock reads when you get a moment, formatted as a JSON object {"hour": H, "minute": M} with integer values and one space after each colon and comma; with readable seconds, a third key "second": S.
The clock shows {"hour": 6, "minute": 4}
